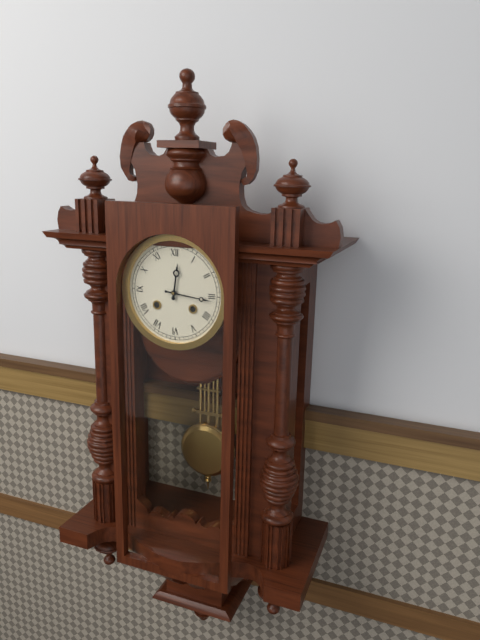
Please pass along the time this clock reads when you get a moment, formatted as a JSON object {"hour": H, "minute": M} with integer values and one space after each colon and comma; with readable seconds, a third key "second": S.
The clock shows {"hour": 12, "minute": 16}
